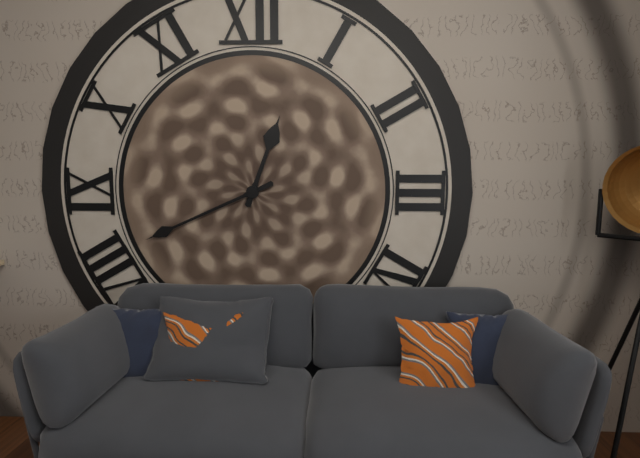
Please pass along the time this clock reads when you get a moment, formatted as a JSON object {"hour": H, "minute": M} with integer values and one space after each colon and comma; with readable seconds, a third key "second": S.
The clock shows {"hour": 12, "minute": 41}
